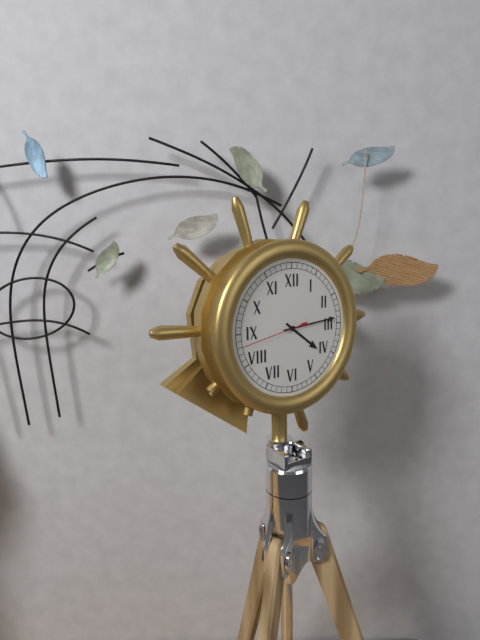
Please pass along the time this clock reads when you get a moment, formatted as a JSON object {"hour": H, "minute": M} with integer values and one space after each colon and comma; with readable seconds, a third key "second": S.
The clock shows {"hour": 4, "minute": 14, "second": 43}
